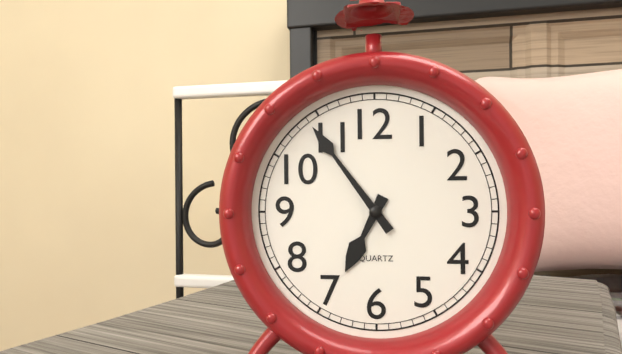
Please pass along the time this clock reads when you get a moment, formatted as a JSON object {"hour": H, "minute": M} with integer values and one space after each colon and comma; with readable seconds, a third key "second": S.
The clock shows {"hour": 6, "minute": 54}
